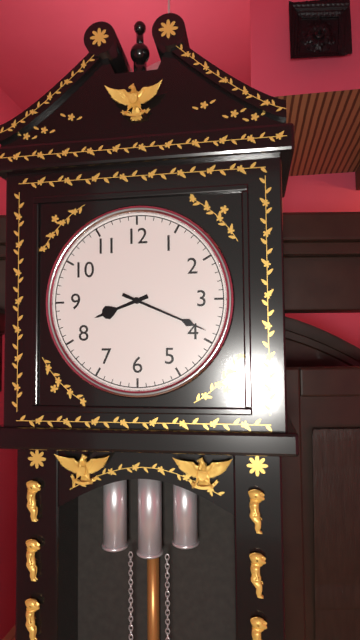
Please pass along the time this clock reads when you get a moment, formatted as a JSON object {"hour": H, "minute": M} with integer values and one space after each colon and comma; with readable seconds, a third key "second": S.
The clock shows {"hour": 8, "minute": 19}
